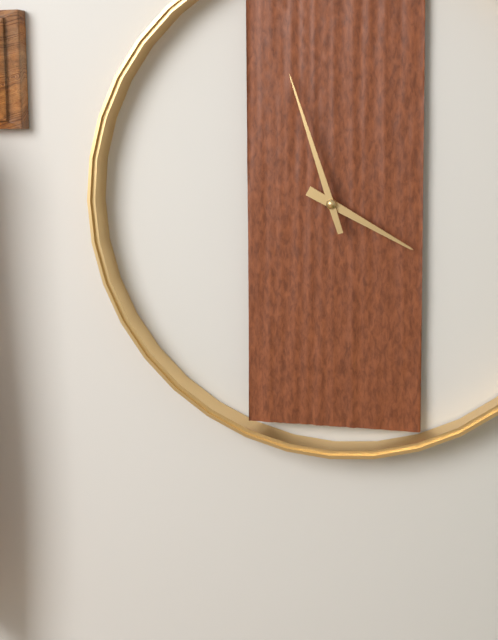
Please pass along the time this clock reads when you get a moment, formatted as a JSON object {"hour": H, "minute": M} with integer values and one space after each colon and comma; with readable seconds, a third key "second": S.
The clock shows {"hour": 3, "minute": 57}
